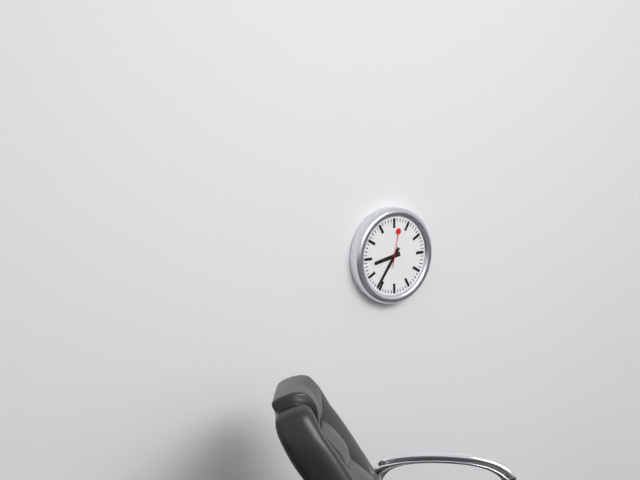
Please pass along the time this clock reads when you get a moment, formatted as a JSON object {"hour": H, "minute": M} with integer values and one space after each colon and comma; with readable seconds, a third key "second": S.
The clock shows {"hour": 8, "minute": 36}
